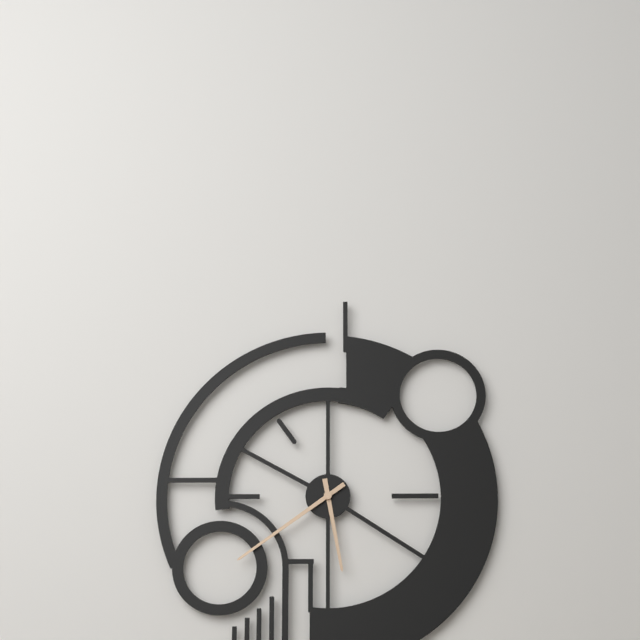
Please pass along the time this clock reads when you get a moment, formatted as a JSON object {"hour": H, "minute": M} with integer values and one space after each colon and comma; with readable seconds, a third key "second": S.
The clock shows {"hour": 5, "minute": 39}
